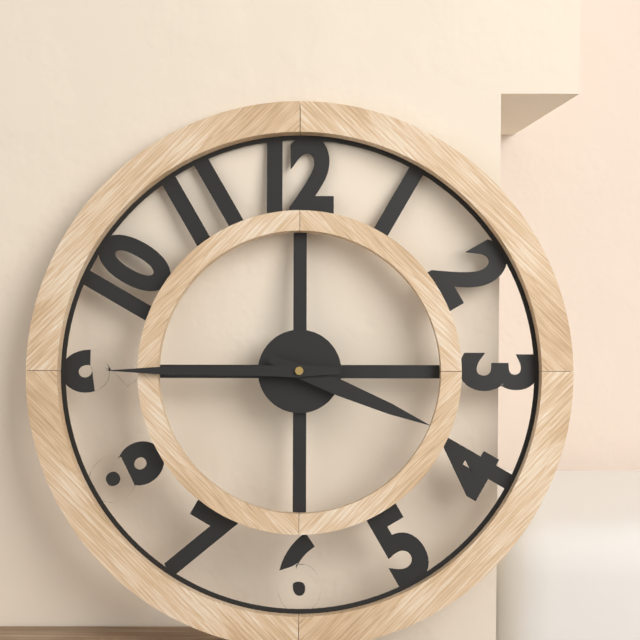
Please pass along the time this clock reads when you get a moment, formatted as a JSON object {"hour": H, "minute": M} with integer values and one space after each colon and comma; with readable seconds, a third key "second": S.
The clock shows {"hour": 3, "minute": 45}
